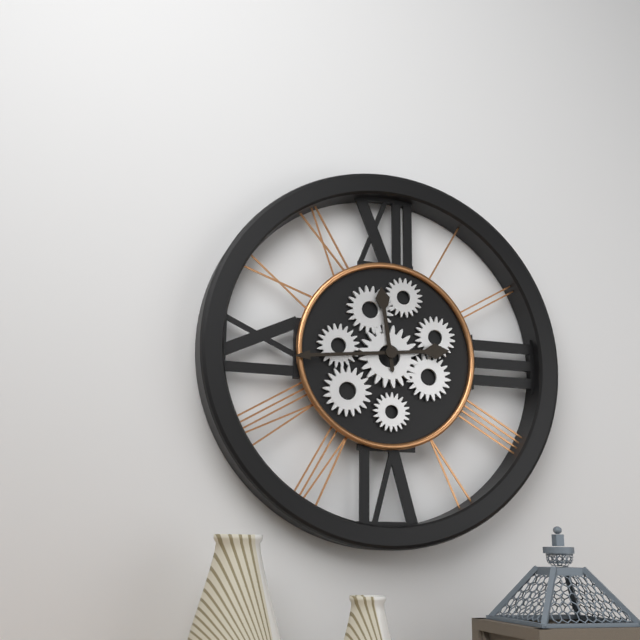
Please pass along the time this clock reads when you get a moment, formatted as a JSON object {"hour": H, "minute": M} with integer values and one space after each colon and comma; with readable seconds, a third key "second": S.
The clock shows {"hour": 11, "minute": 44}
